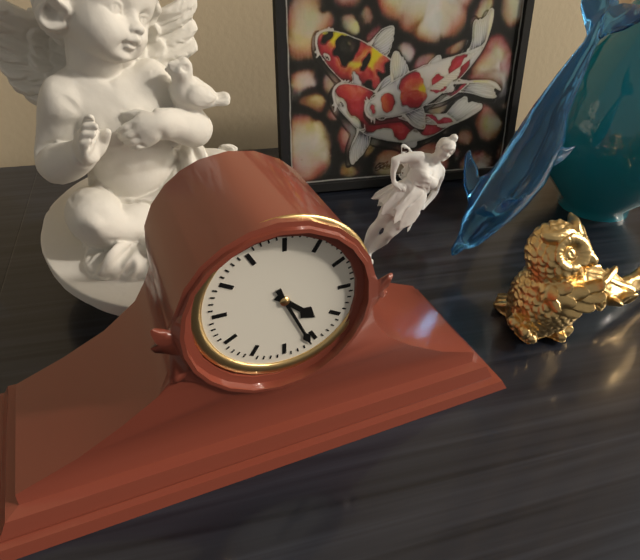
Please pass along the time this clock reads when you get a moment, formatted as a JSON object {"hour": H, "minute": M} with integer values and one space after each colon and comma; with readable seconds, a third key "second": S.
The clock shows {"hour": 4, "minute": 26}
